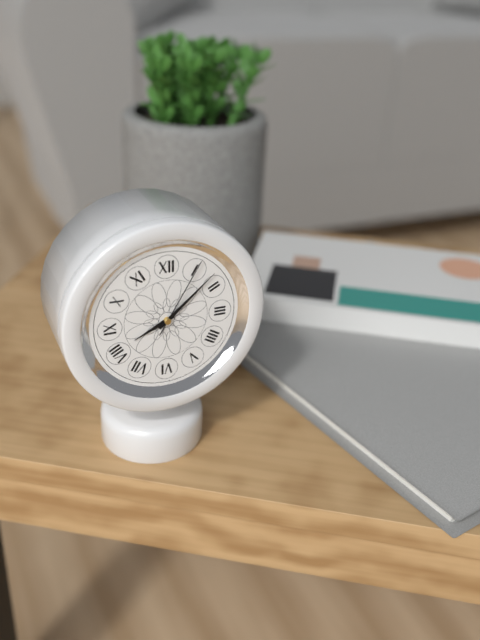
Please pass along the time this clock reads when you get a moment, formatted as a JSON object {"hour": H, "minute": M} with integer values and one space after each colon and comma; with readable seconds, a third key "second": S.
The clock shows {"hour": 8, "minute": 8, "second": 5}
